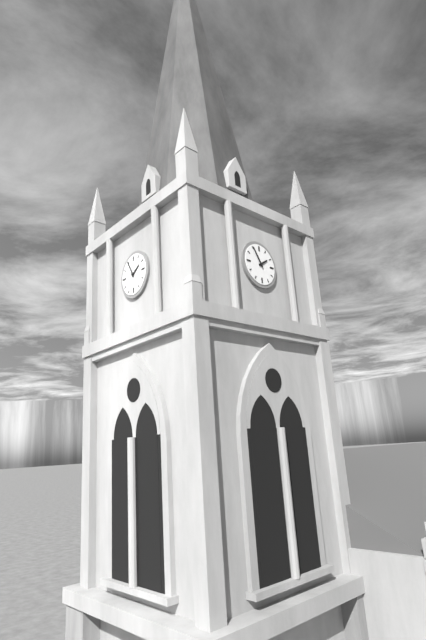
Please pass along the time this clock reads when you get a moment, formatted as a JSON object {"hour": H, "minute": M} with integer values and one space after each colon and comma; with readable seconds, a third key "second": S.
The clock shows {"hour": 1, "minute": 55}
